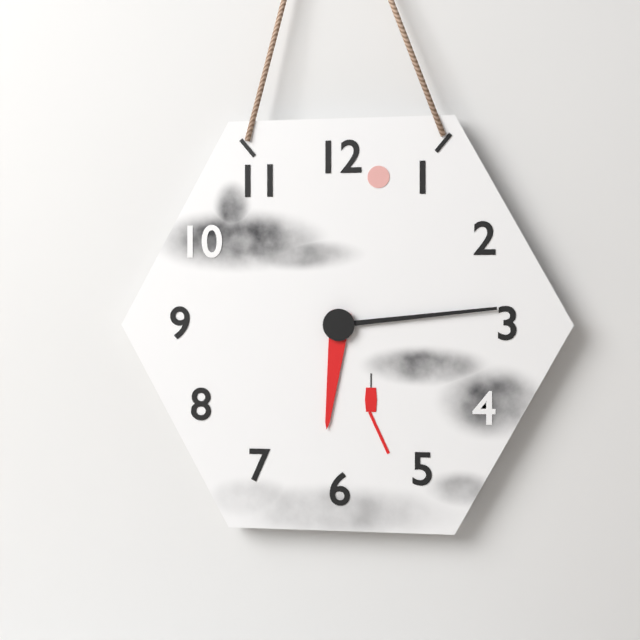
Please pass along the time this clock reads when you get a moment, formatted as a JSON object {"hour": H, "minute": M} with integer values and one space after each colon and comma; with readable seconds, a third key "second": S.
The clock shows {"hour": 6, "minute": 14}
